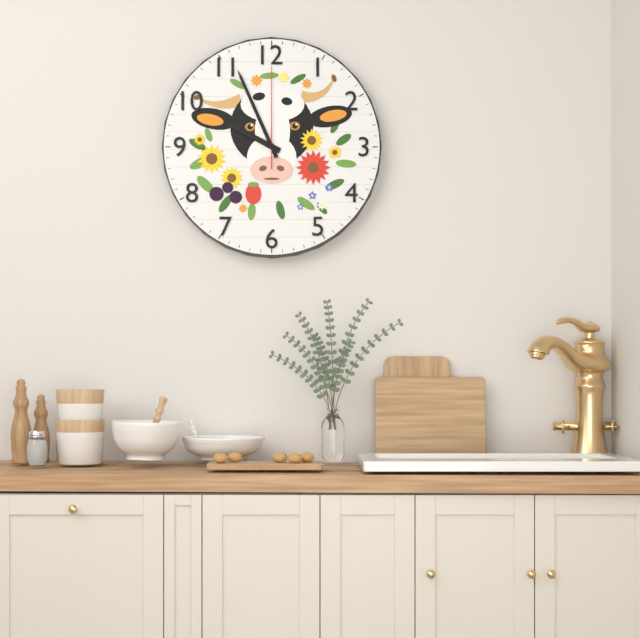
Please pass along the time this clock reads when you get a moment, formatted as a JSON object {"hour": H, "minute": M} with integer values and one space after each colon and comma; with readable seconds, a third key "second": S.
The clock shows {"hour": 9, "minute": 56, "second": 0}
